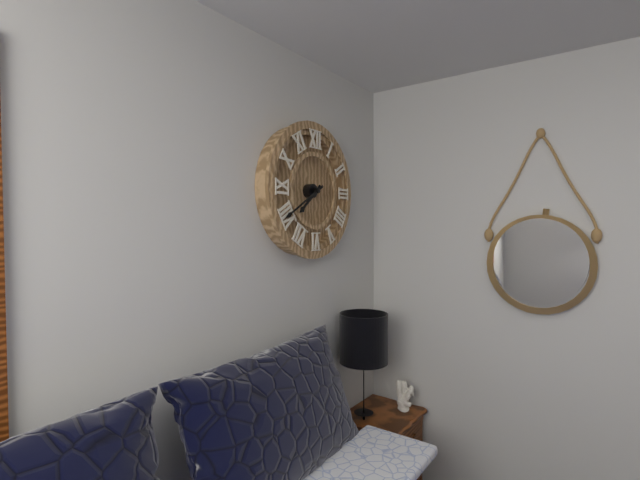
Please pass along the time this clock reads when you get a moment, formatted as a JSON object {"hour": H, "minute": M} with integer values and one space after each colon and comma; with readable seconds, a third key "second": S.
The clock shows {"hour": 7, "minute": 40}
